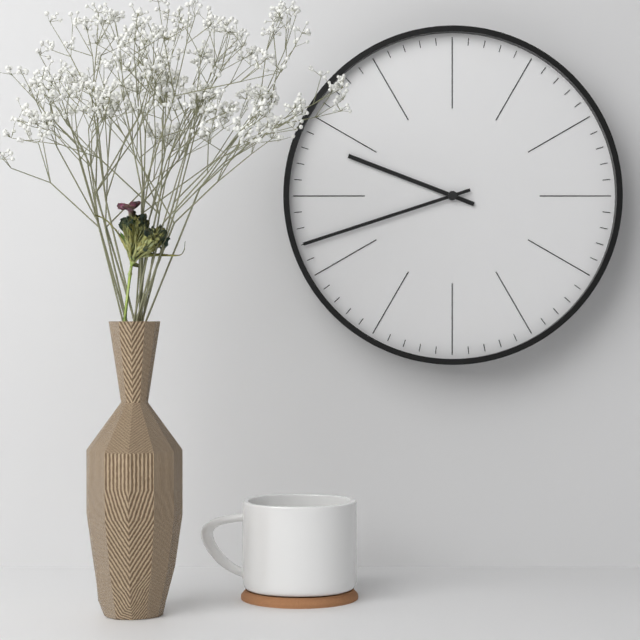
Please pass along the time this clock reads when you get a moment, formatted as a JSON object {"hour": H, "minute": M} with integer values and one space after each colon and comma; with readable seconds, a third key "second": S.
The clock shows {"hour": 9, "minute": 42}
